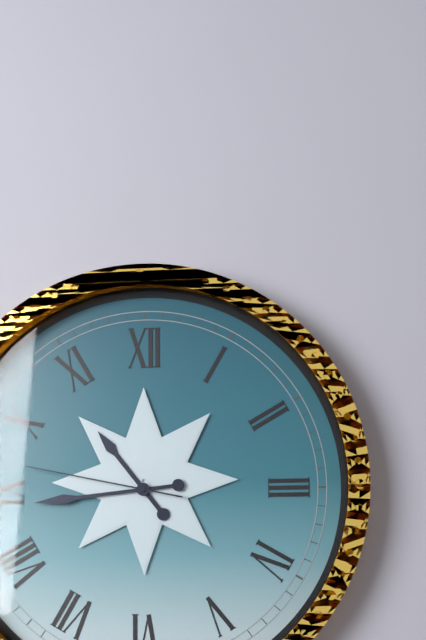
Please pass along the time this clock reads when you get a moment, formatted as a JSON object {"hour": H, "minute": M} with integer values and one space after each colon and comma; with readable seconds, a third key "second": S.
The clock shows {"hour": 10, "minute": 44, "second": 47}
